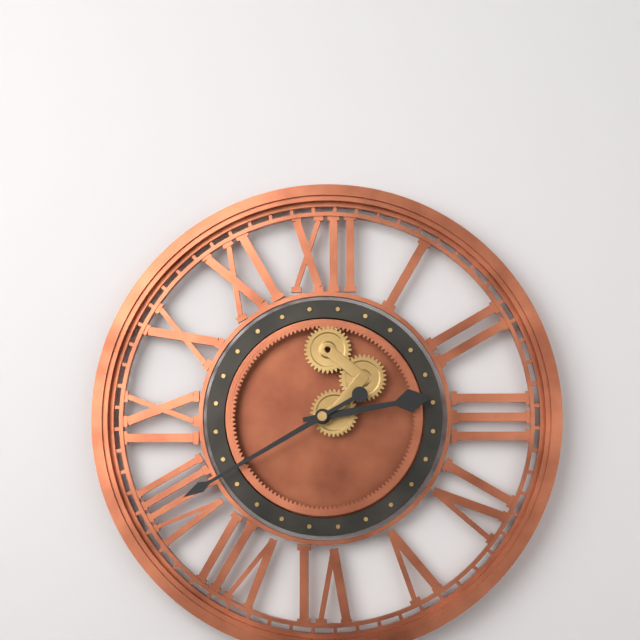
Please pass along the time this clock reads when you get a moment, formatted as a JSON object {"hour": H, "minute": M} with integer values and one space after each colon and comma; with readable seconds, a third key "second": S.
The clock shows {"hour": 2, "minute": 40}
